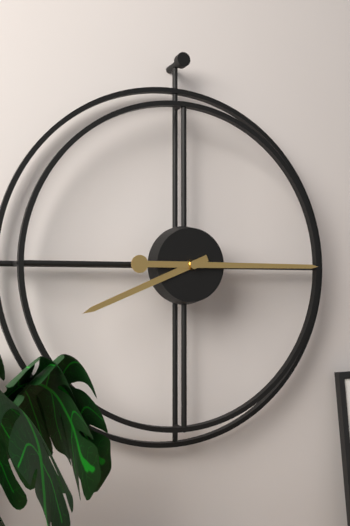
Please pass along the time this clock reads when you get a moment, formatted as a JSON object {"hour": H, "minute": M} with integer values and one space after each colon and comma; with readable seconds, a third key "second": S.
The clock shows {"hour": 8, "minute": 15}
